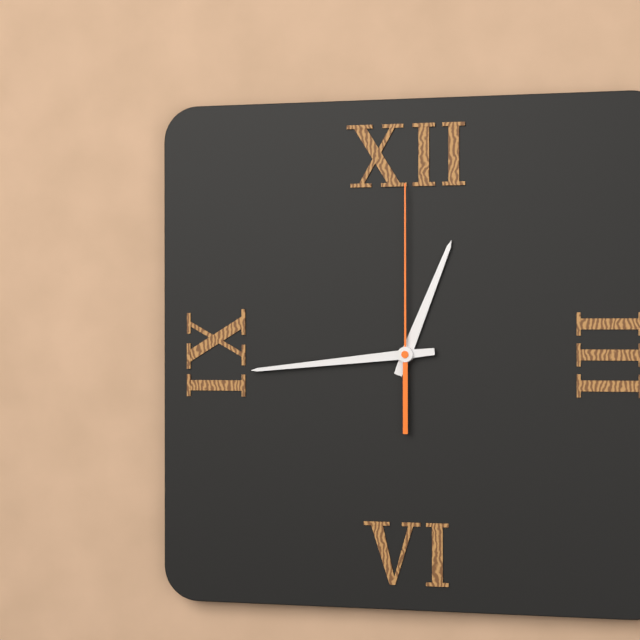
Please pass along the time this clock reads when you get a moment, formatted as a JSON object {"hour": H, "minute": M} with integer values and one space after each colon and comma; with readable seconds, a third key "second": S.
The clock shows {"hour": 12, "minute": 44, "second": 0}
